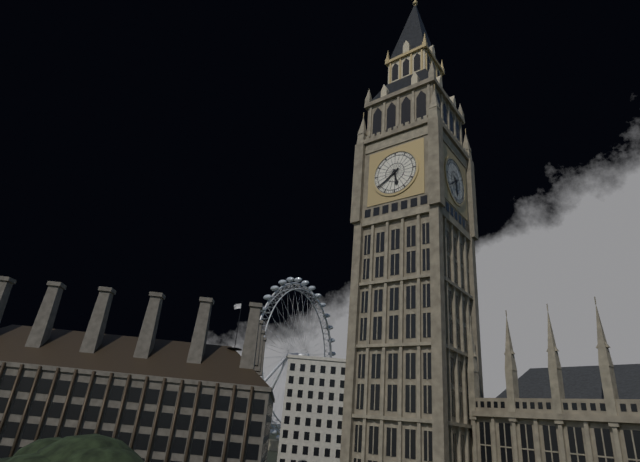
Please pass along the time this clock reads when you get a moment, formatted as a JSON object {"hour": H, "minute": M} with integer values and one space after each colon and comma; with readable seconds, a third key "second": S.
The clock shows {"hour": 5, "minute": 39}
